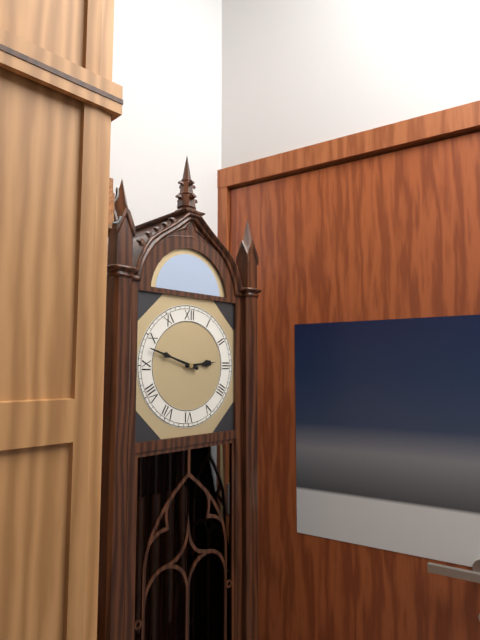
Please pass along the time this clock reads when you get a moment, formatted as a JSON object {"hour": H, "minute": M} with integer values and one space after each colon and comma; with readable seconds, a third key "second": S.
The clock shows {"hour": 2, "minute": 48}
